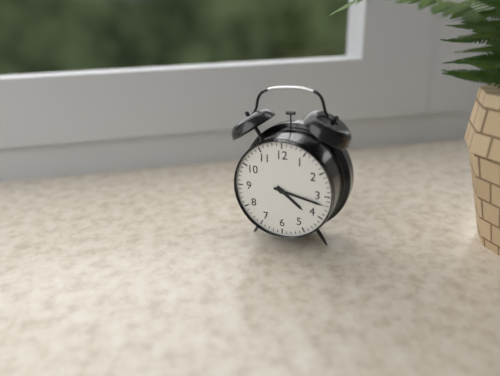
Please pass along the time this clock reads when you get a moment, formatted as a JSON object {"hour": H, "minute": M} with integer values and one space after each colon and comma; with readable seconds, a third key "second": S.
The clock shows {"hour": 4, "minute": 17}
